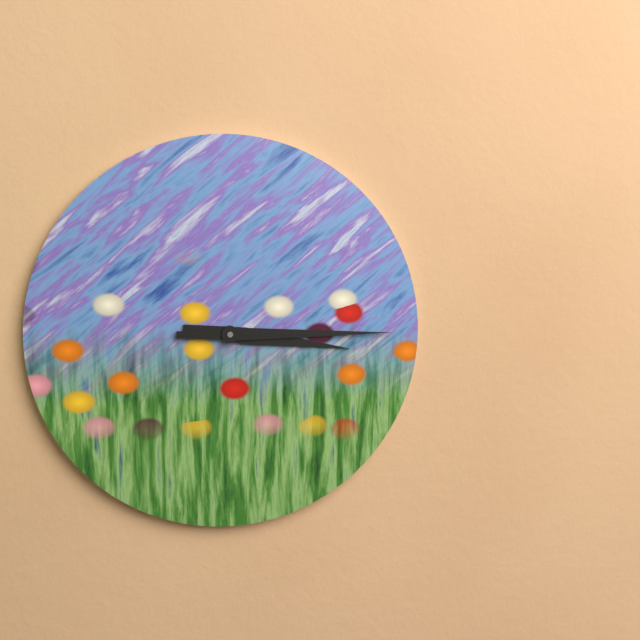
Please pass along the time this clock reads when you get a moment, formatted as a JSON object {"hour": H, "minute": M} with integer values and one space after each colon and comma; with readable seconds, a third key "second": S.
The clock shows {"hour": 3, "minute": 15}
